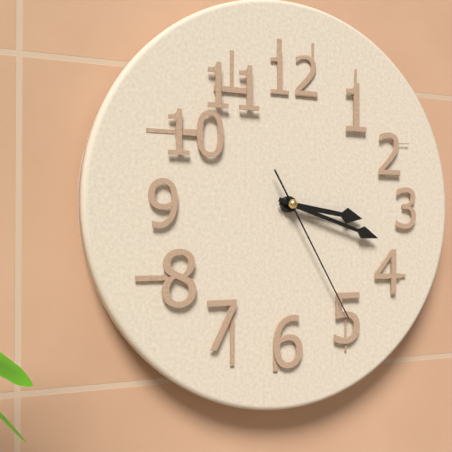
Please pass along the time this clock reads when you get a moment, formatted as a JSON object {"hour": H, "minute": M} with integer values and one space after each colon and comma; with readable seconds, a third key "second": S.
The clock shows {"hour": 3, "minute": 18, "second": 25}
